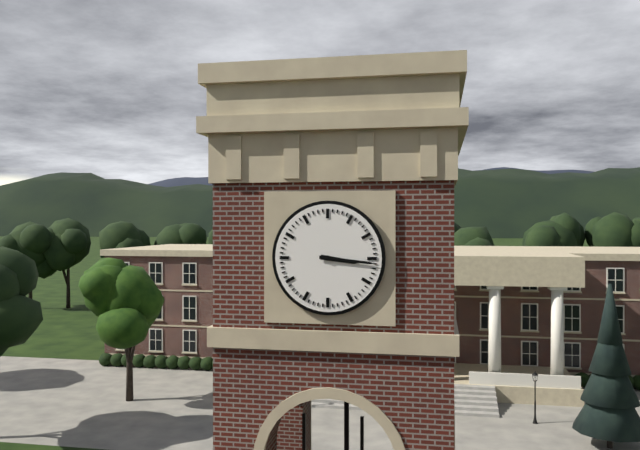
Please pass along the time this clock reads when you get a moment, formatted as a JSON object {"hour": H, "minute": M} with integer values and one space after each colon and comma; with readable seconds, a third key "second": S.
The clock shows {"hour": 3, "minute": 16}
